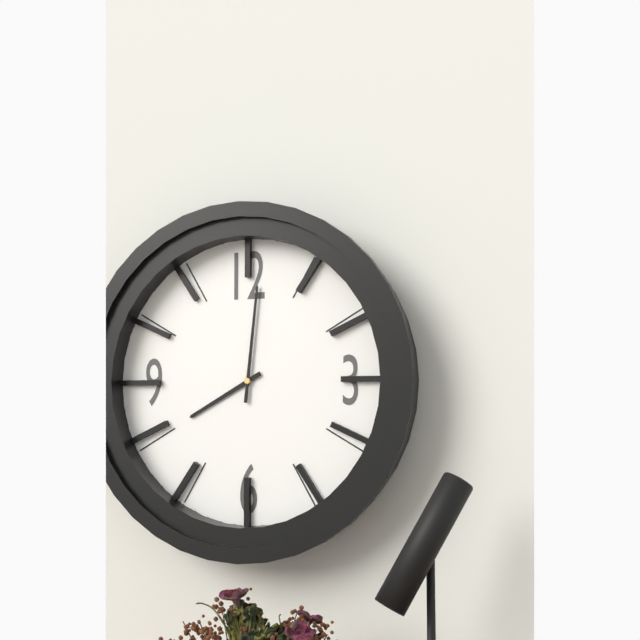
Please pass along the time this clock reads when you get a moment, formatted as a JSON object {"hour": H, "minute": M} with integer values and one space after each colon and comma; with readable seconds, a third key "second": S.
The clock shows {"hour": 8, "minute": 1}
